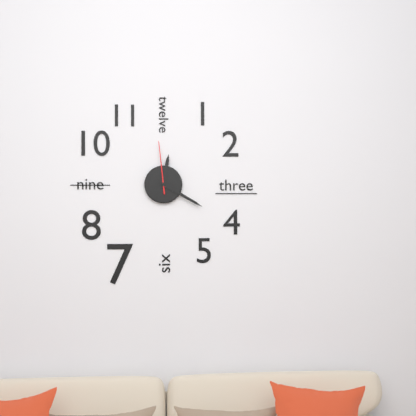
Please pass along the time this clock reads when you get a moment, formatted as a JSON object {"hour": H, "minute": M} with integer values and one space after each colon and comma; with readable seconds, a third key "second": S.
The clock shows {"hour": 12, "minute": 20, "second": 59}
